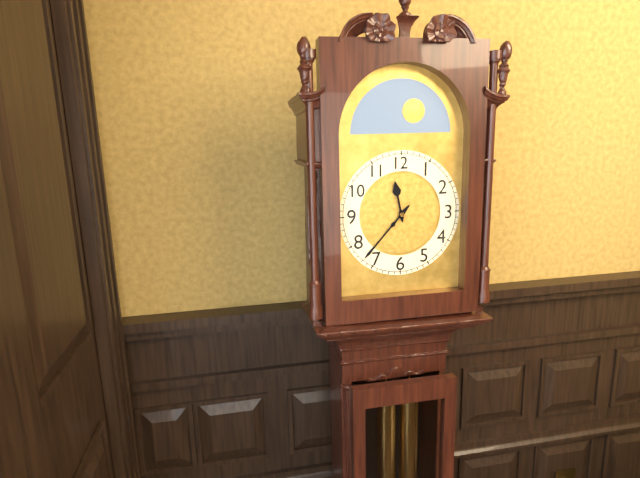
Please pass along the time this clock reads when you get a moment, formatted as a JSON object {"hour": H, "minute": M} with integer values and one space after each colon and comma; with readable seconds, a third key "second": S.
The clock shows {"hour": 11, "minute": 37}
